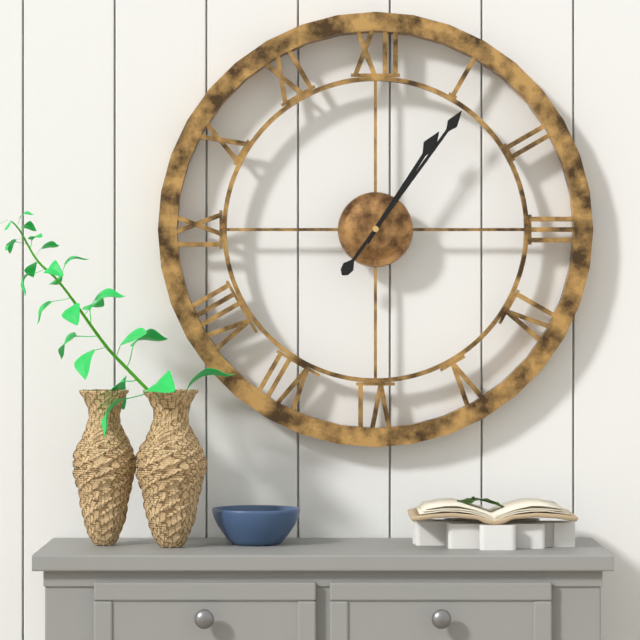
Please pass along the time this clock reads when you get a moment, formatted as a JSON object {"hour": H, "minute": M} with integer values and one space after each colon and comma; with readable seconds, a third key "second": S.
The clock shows {"hour": 1, "minute": 6}
